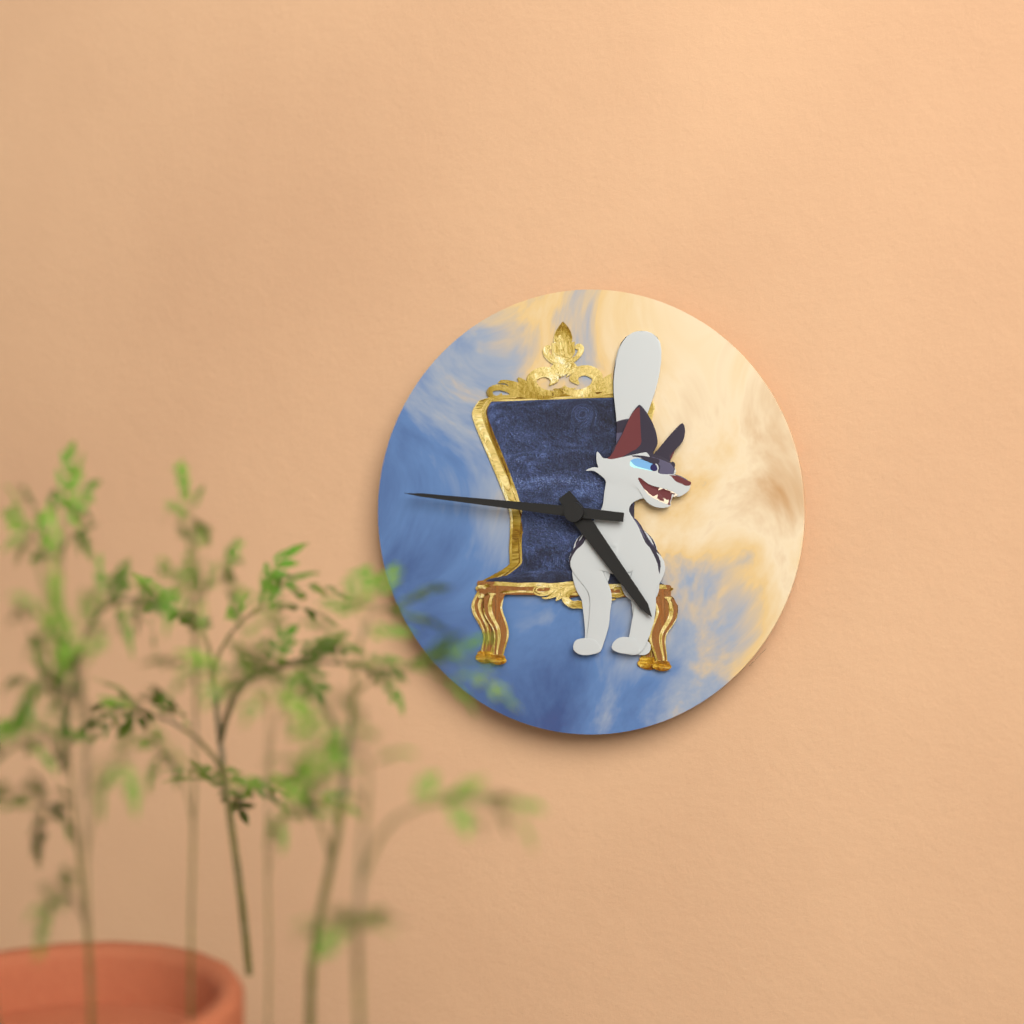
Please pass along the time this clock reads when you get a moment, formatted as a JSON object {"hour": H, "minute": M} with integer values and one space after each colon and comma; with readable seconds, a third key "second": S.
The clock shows {"hour": 4, "minute": 46}
